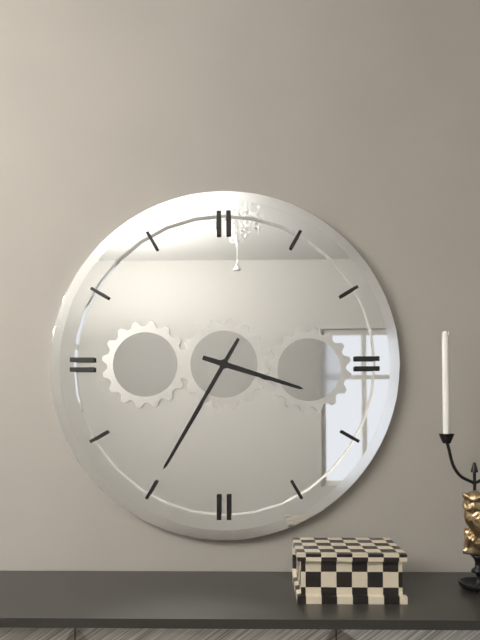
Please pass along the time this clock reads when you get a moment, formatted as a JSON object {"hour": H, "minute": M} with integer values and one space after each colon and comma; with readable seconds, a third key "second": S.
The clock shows {"hour": 3, "minute": 35}
